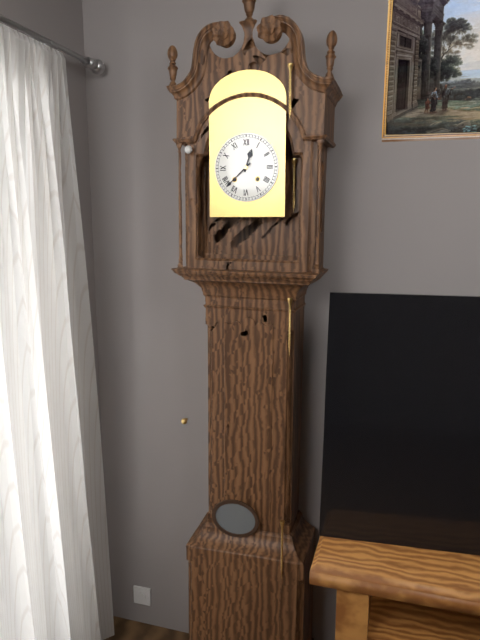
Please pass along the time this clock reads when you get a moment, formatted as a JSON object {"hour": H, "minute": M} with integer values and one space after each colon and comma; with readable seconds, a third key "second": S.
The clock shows {"hour": 12, "minute": 38}
